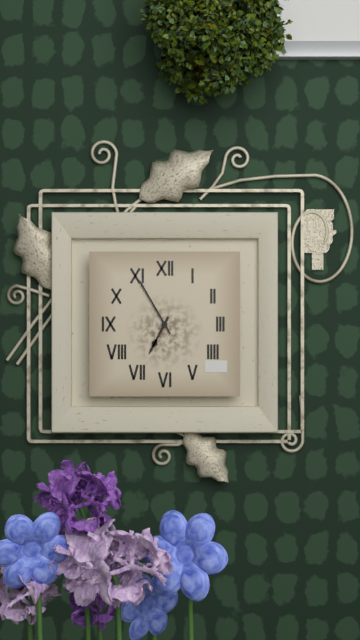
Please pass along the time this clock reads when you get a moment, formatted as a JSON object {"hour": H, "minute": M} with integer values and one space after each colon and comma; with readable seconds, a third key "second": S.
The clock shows {"hour": 6, "minute": 55}
